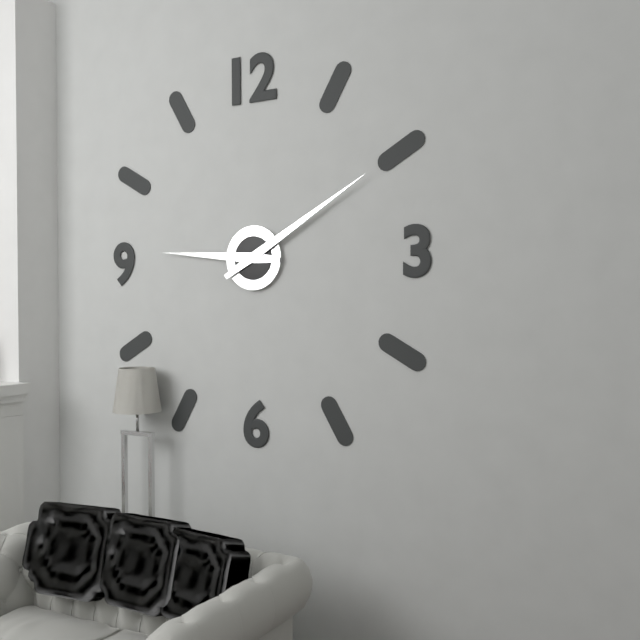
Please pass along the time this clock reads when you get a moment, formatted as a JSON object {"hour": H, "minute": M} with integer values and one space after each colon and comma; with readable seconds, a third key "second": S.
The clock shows {"hour": 9, "minute": 10}
